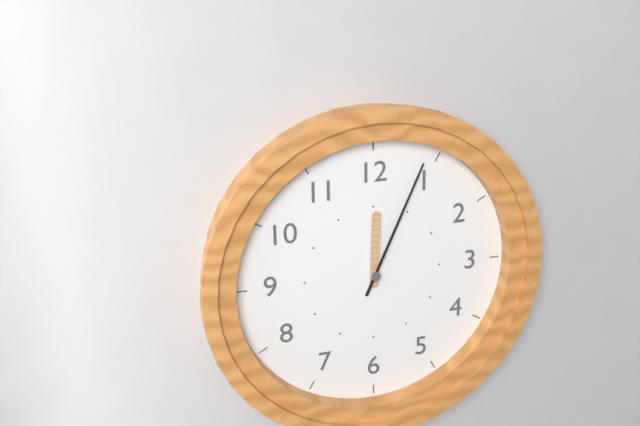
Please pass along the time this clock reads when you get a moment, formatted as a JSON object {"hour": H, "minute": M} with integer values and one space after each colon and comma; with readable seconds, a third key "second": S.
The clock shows {"hour": 12, "minute": 4}
